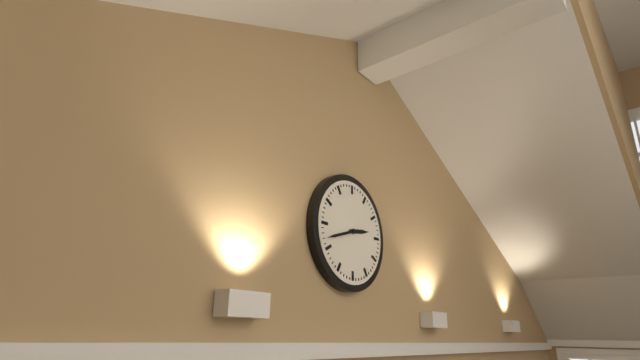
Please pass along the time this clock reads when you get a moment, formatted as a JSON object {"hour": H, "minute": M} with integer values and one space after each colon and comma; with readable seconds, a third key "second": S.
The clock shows {"hour": 2, "minute": 42}
